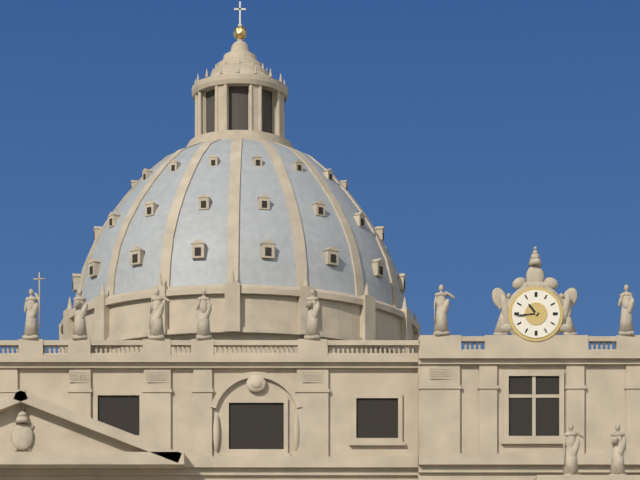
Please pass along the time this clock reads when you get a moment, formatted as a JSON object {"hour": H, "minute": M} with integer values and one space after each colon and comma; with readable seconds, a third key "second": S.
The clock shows {"hour": 10, "minute": 44}
